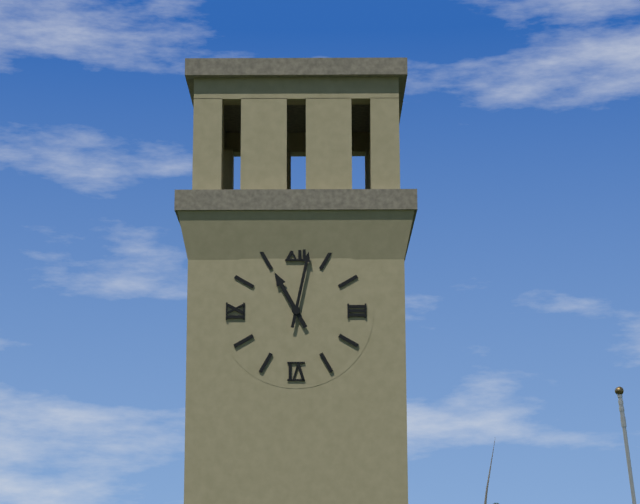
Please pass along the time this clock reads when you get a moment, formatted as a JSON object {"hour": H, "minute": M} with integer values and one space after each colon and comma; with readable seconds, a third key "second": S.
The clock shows {"hour": 11, "minute": 2}
